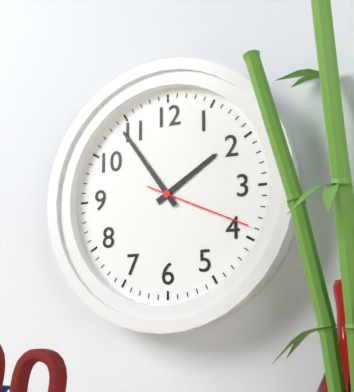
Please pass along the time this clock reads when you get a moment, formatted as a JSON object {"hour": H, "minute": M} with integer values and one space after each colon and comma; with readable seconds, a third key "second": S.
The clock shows {"hour": 1, "minute": 54, "second": 19}
